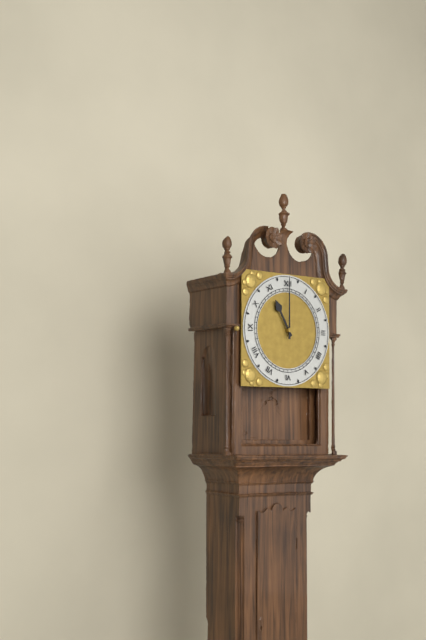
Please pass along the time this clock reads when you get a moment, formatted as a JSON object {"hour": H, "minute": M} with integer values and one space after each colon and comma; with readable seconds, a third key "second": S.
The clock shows {"hour": 11, "minute": 0}
